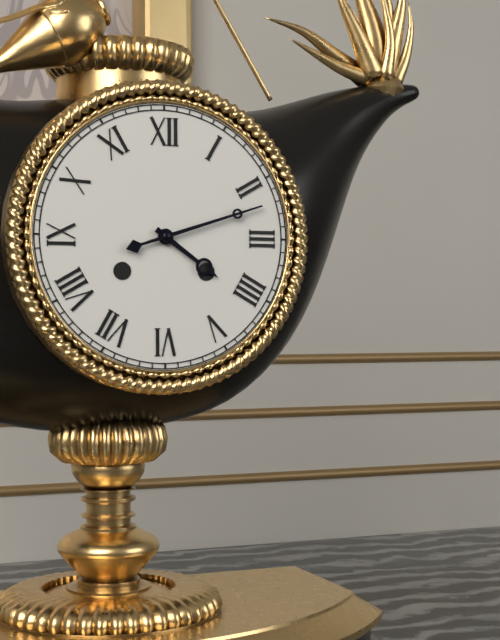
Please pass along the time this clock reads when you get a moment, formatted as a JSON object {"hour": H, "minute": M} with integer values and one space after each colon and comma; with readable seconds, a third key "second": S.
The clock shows {"hour": 4, "minute": 12}
